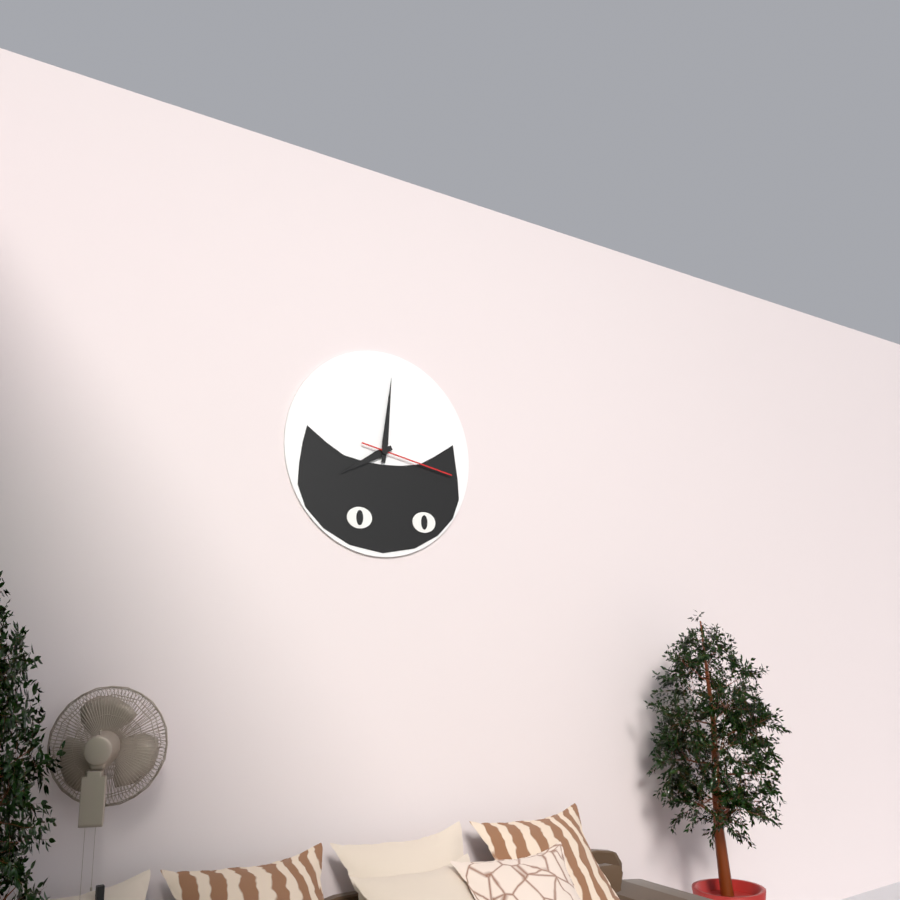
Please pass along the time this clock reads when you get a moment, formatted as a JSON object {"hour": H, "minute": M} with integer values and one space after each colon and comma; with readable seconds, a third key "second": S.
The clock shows {"hour": 8, "minute": 1, "second": 17}
